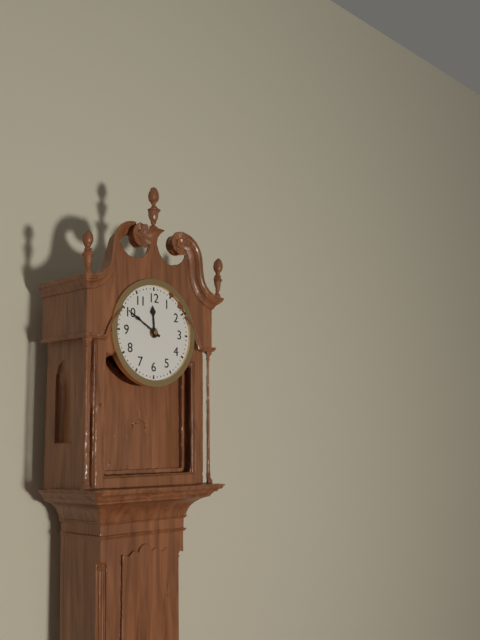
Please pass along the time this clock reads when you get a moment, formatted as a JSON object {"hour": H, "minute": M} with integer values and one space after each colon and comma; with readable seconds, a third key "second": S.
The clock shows {"hour": 11, "minute": 50}
